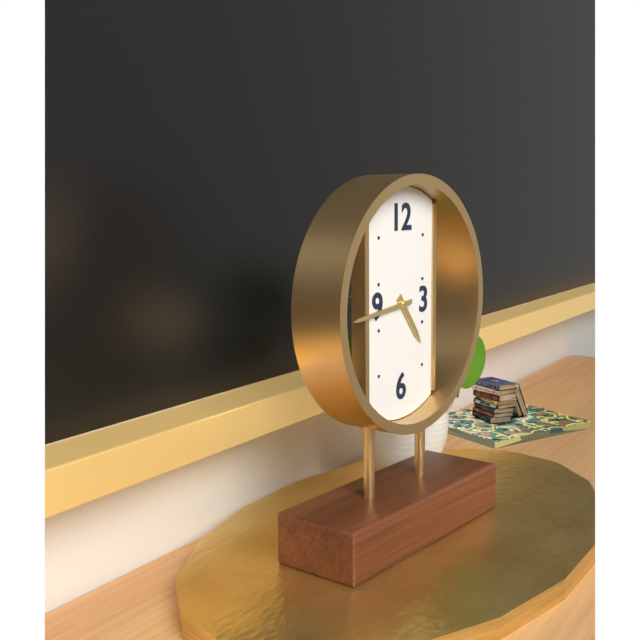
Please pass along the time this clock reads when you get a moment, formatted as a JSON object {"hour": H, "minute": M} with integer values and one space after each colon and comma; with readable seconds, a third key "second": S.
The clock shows {"hour": 4, "minute": 44}
